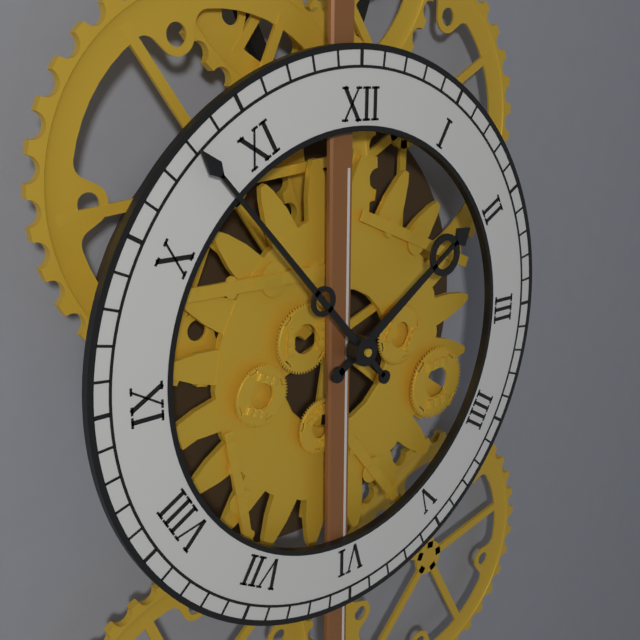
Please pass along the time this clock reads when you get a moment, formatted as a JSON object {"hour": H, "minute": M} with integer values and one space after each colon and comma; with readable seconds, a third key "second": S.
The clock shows {"hour": 1, "minute": 53}
